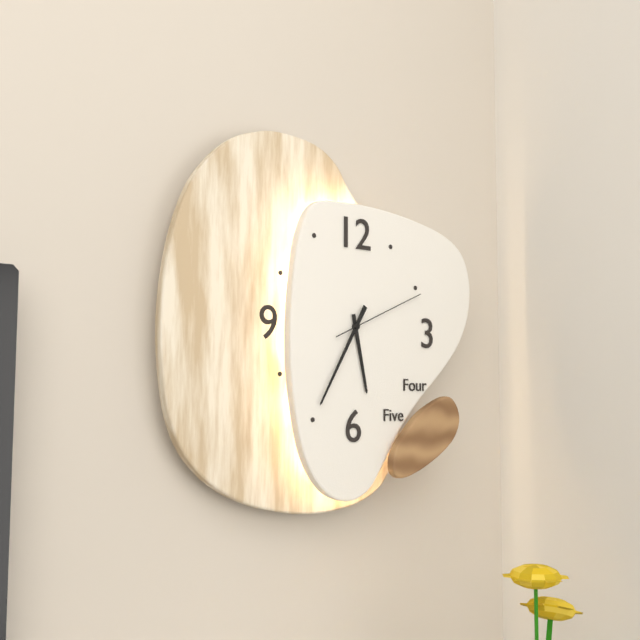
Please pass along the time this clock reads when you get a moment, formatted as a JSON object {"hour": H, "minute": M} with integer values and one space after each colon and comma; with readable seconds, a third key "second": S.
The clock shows {"hour": 5, "minute": 35, "second": 11}
